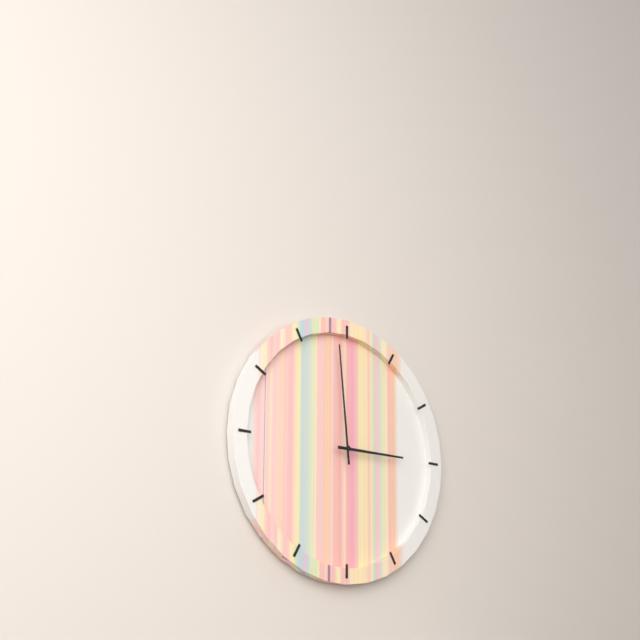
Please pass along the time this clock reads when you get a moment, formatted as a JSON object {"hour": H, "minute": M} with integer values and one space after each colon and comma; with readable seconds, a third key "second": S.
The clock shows {"hour": 2, "minute": 59}
